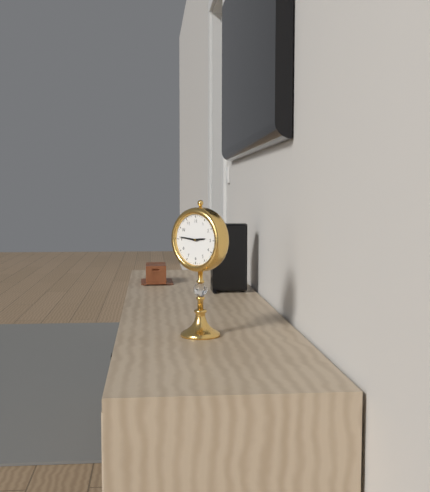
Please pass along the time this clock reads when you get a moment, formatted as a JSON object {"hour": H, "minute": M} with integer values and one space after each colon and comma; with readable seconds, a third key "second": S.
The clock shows {"hour": 2, "minute": 46}
